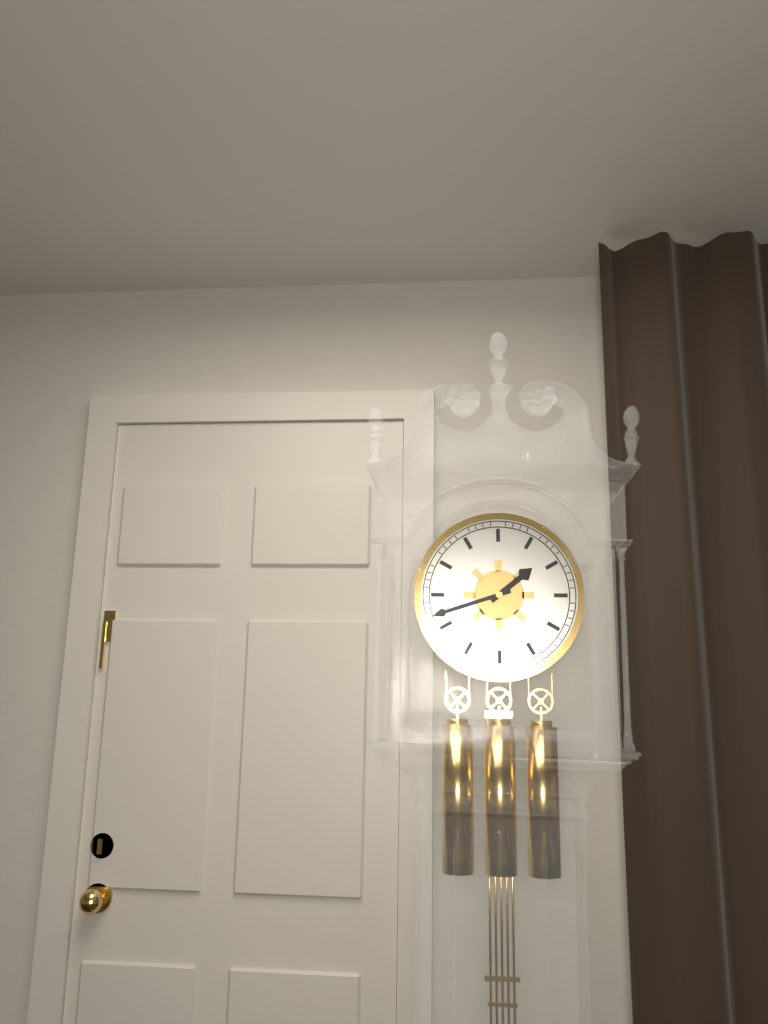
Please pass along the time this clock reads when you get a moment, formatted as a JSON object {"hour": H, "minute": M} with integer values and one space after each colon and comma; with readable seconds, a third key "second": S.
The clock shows {"hour": 1, "minute": 42}
